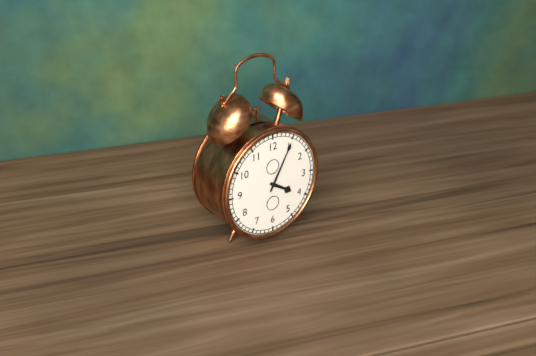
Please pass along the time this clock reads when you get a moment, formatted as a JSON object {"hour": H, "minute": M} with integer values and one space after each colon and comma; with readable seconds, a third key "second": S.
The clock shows {"hour": 4, "minute": 5}
